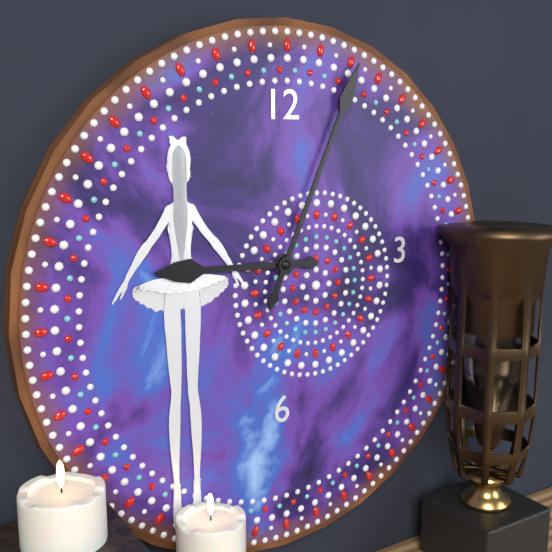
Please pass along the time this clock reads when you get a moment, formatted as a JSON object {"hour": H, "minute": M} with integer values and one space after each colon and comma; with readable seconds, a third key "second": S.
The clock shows {"hour": 9, "minute": 4}
